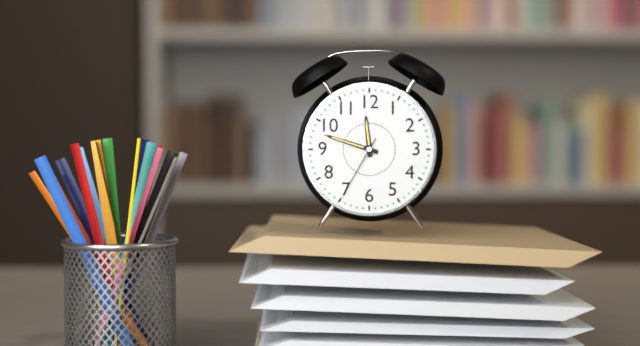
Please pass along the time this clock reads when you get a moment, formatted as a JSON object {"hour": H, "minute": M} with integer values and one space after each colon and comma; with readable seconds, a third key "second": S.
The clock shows {"hour": 11, "minute": 48, "second": 35}
